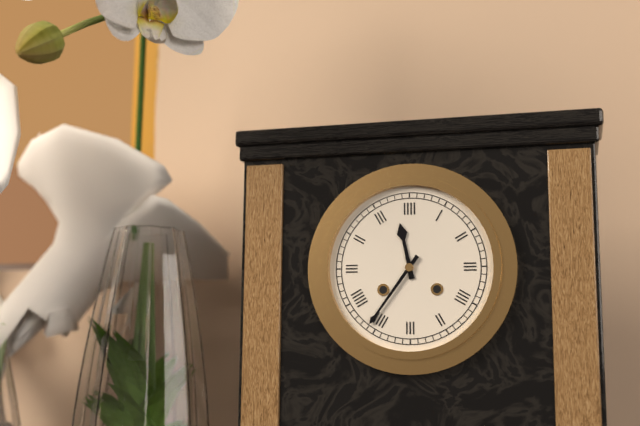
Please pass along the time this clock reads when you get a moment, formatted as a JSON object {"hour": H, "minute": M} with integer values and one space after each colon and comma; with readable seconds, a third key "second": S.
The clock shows {"hour": 11, "minute": 36}
